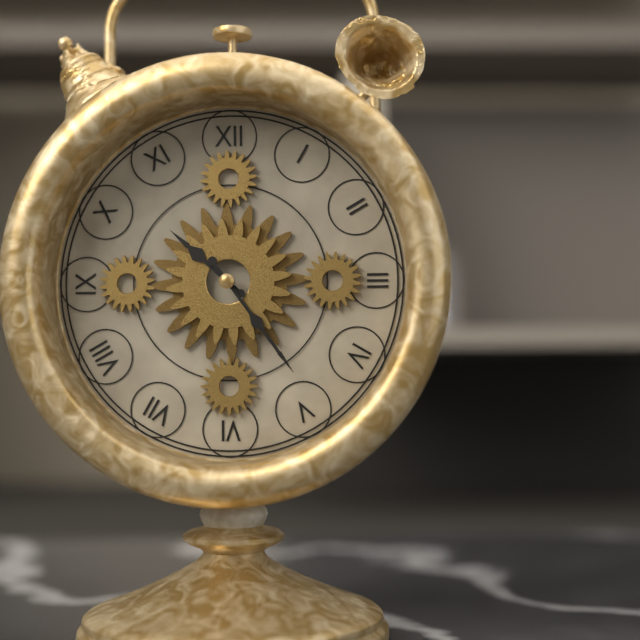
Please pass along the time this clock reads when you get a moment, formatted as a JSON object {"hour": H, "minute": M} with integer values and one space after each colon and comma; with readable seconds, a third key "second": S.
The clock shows {"hour": 10, "minute": 24}
